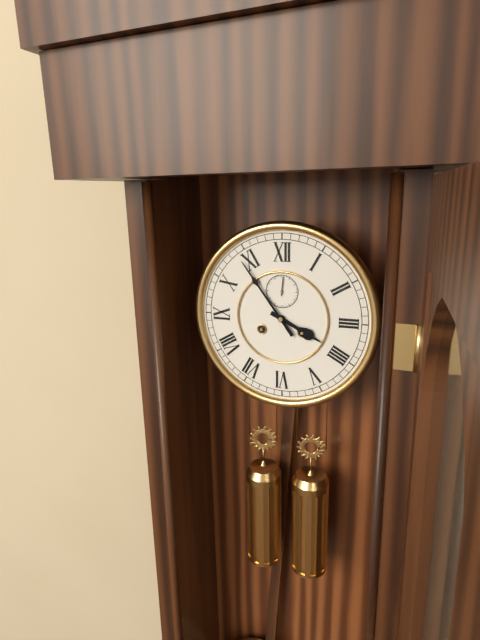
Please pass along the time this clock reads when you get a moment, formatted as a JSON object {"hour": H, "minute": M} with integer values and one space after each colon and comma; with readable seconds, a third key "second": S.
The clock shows {"hour": 3, "minute": 54}
